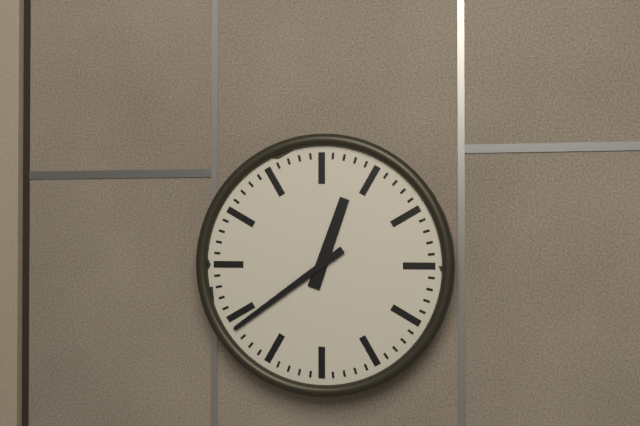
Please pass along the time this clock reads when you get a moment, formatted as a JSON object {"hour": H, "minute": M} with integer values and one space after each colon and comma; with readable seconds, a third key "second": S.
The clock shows {"hour": 12, "minute": 39}
